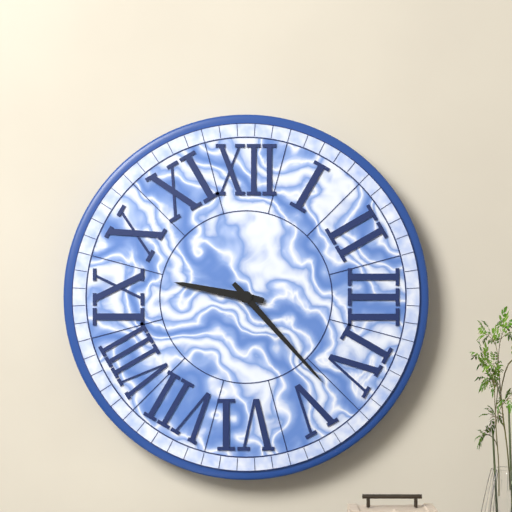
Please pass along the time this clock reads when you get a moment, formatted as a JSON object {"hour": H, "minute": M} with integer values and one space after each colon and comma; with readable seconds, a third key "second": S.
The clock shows {"hour": 9, "minute": 23}
